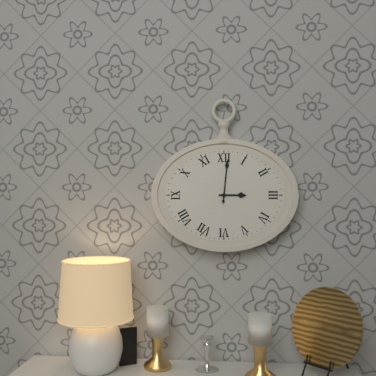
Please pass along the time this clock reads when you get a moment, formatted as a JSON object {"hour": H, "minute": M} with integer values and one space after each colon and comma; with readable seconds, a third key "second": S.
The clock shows {"hour": 3, "minute": 1}
